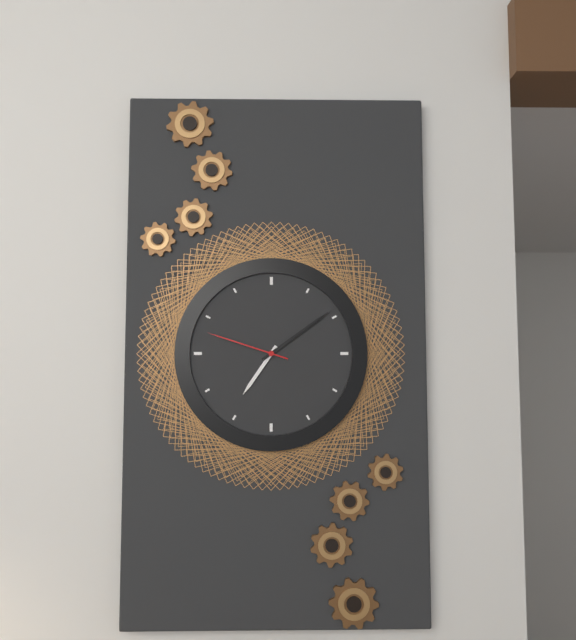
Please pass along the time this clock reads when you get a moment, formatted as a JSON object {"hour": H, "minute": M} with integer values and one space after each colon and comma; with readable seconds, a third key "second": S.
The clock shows {"hour": 7, "minute": 9, "second": 48}
